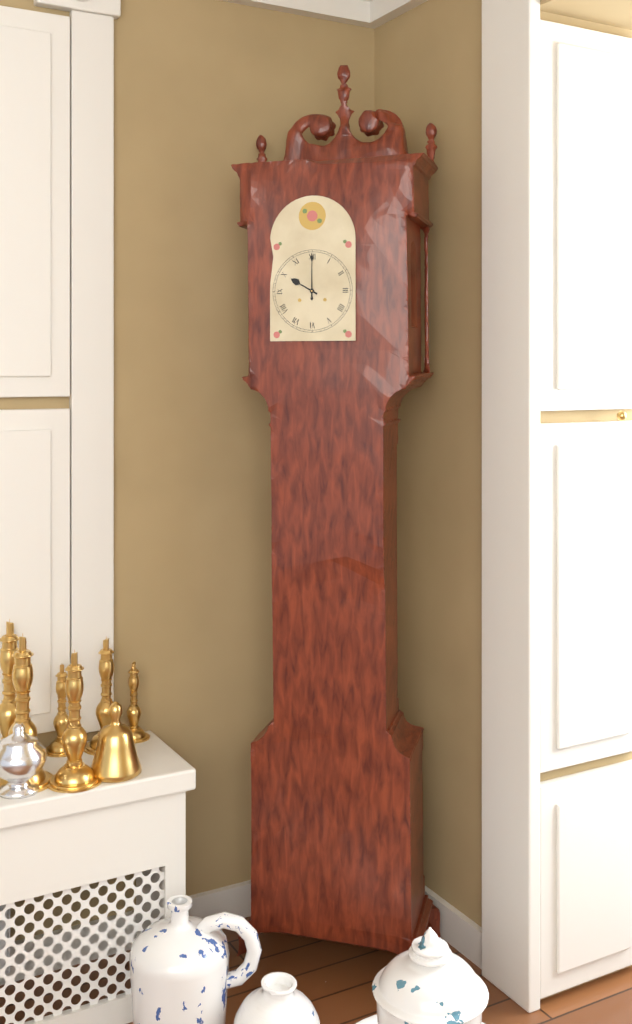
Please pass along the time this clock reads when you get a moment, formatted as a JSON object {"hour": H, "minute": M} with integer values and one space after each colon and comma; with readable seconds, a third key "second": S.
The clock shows {"hour": 10, "minute": 0}
